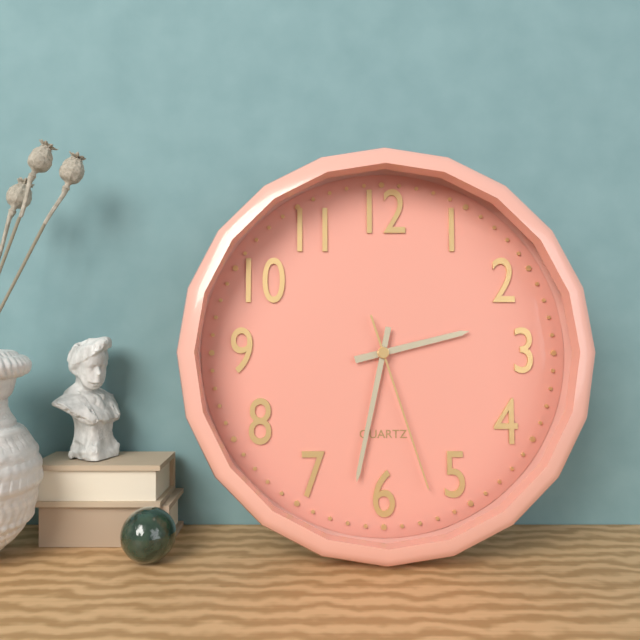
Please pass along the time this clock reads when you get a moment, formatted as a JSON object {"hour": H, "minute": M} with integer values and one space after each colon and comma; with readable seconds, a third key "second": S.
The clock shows {"hour": 2, "minute": 32, "second": 27}
